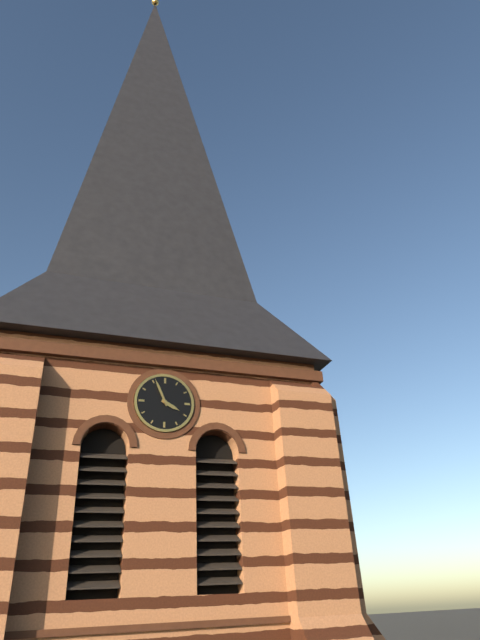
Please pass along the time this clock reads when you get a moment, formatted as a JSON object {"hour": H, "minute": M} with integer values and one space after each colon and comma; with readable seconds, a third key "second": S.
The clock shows {"hour": 3, "minute": 56}
